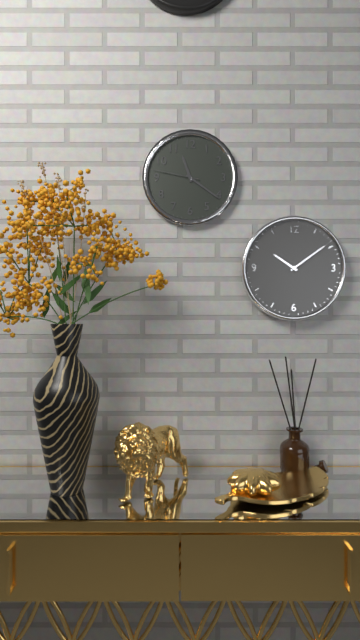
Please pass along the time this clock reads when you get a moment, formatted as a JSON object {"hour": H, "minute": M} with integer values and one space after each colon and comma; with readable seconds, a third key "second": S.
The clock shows {"hour": 11, "minute": 21}
